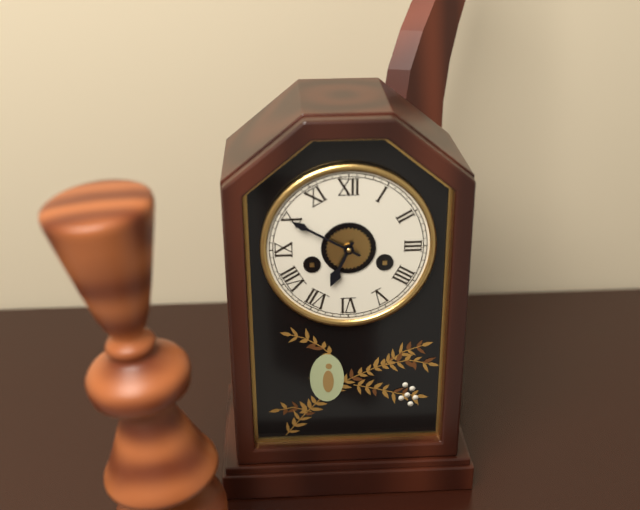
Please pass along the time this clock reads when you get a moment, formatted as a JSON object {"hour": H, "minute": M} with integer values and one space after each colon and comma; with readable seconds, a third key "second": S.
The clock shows {"hour": 6, "minute": 50}
